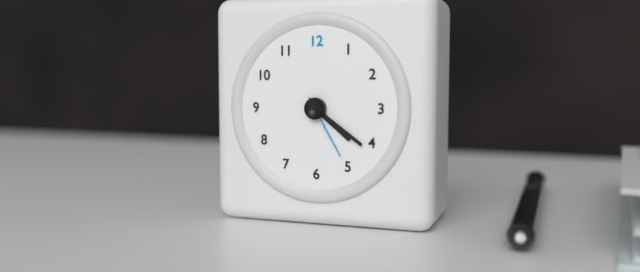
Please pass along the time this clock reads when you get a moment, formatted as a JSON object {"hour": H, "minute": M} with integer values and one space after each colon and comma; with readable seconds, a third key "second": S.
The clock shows {"hour": 4, "minute": 21, "second": 25}
